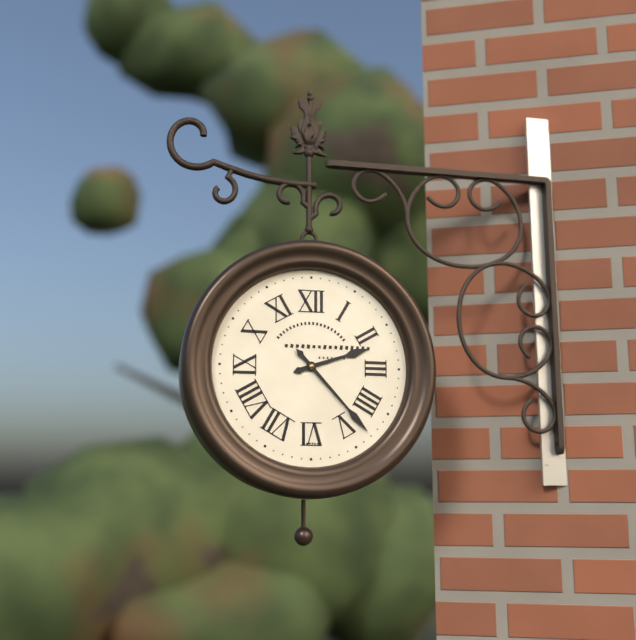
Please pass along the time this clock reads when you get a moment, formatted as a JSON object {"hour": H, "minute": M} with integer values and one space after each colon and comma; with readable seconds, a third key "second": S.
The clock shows {"hour": 2, "minute": 23}
